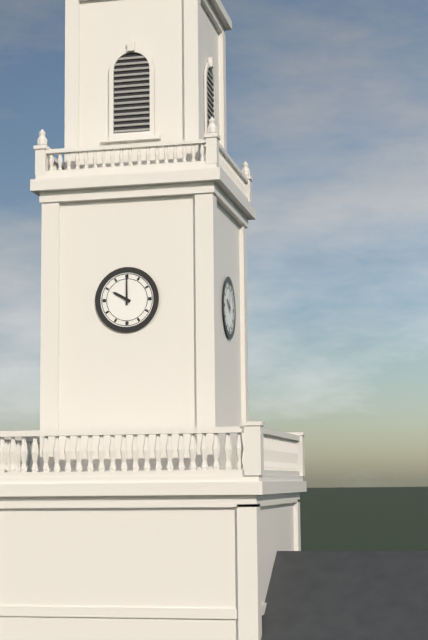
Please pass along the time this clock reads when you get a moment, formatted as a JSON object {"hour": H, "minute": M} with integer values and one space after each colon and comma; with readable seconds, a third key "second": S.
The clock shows {"hour": 10, "minute": 0}
